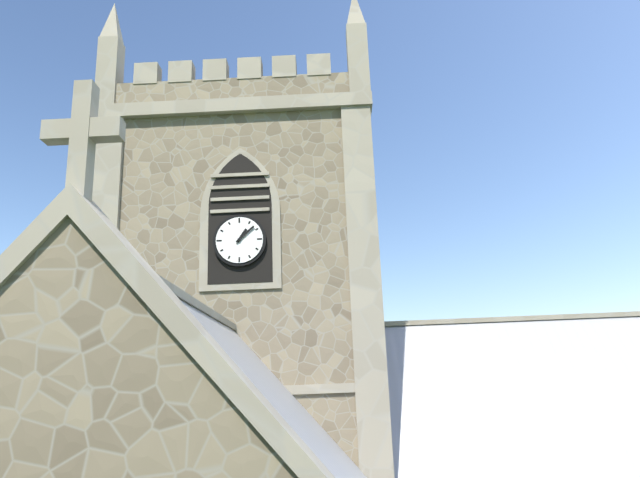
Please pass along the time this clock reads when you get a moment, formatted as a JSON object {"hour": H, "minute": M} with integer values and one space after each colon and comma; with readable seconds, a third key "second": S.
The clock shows {"hour": 1, "minute": 8}
